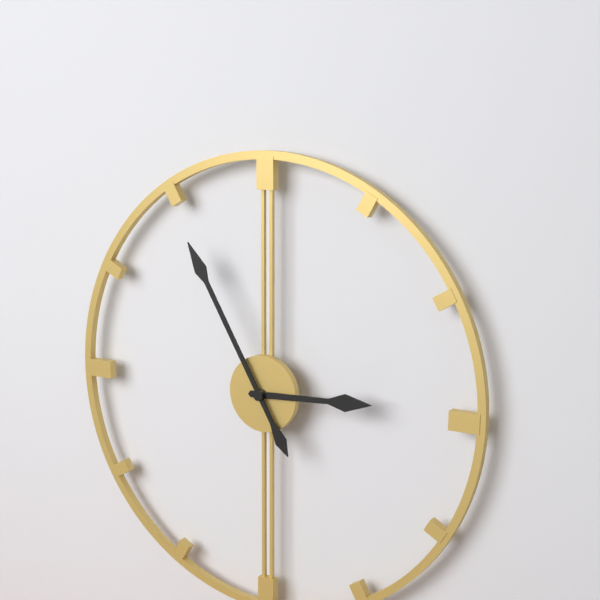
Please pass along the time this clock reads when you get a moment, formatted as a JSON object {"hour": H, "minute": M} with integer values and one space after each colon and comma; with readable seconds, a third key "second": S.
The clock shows {"hour": 2, "minute": 55}
